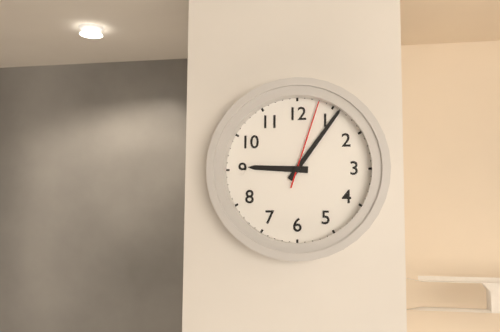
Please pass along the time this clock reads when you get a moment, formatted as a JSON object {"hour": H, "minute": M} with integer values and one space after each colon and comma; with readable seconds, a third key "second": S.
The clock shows {"hour": 9, "minute": 6, "second": 3}
